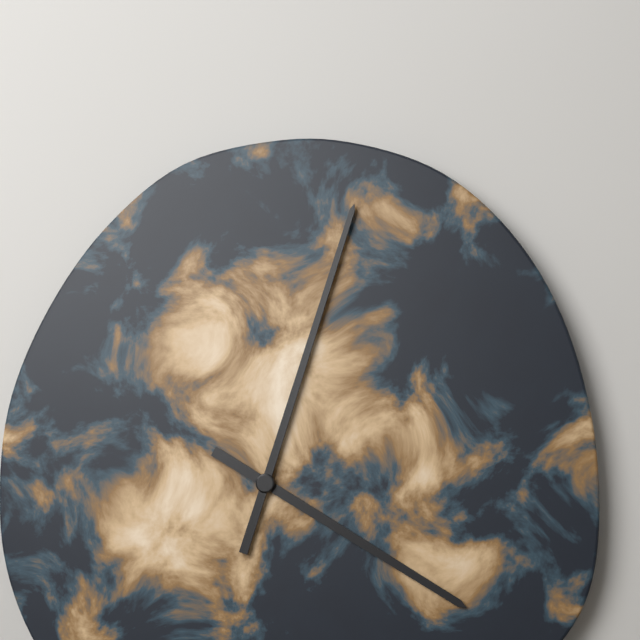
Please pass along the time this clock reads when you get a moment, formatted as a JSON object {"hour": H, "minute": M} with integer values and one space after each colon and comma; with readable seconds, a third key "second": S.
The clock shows {"hour": 4, "minute": 3}
